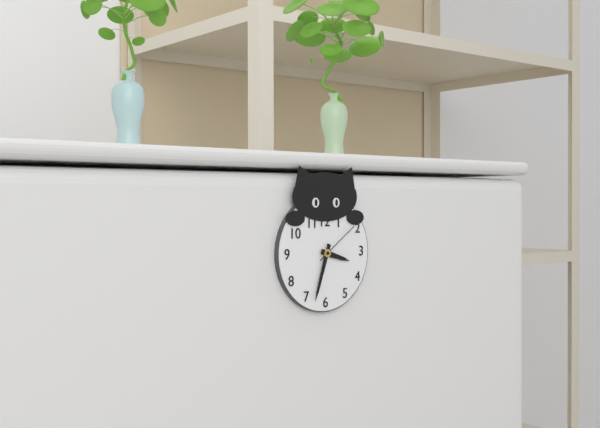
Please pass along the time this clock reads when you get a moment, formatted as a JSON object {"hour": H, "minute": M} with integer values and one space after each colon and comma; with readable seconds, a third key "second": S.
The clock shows {"hour": 3, "minute": 33}
